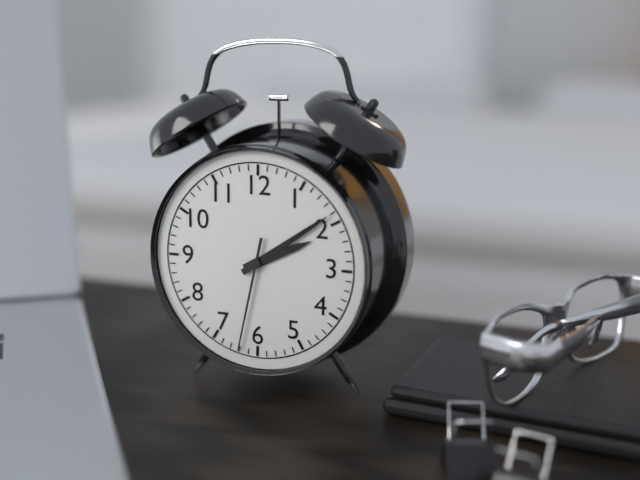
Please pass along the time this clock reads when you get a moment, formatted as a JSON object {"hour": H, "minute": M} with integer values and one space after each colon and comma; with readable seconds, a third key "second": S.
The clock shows {"hour": 2, "minute": 9, "second": 32}
